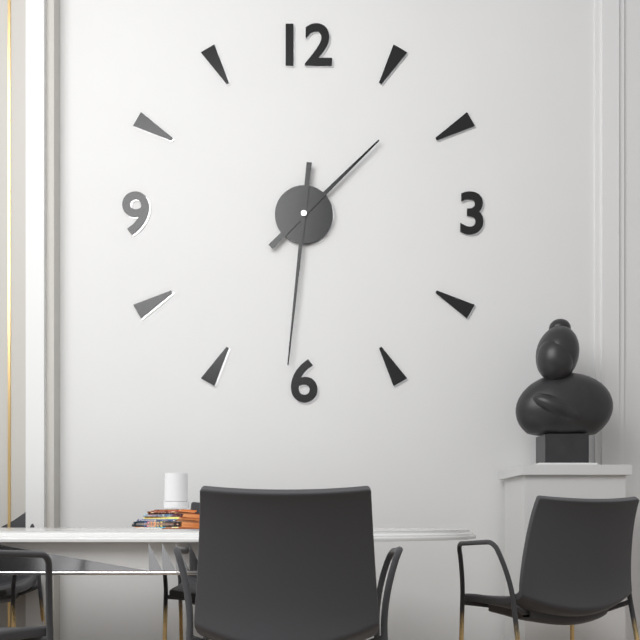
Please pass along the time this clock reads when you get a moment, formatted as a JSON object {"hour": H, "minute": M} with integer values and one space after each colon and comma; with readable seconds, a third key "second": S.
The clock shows {"hour": 1, "minute": 31}
